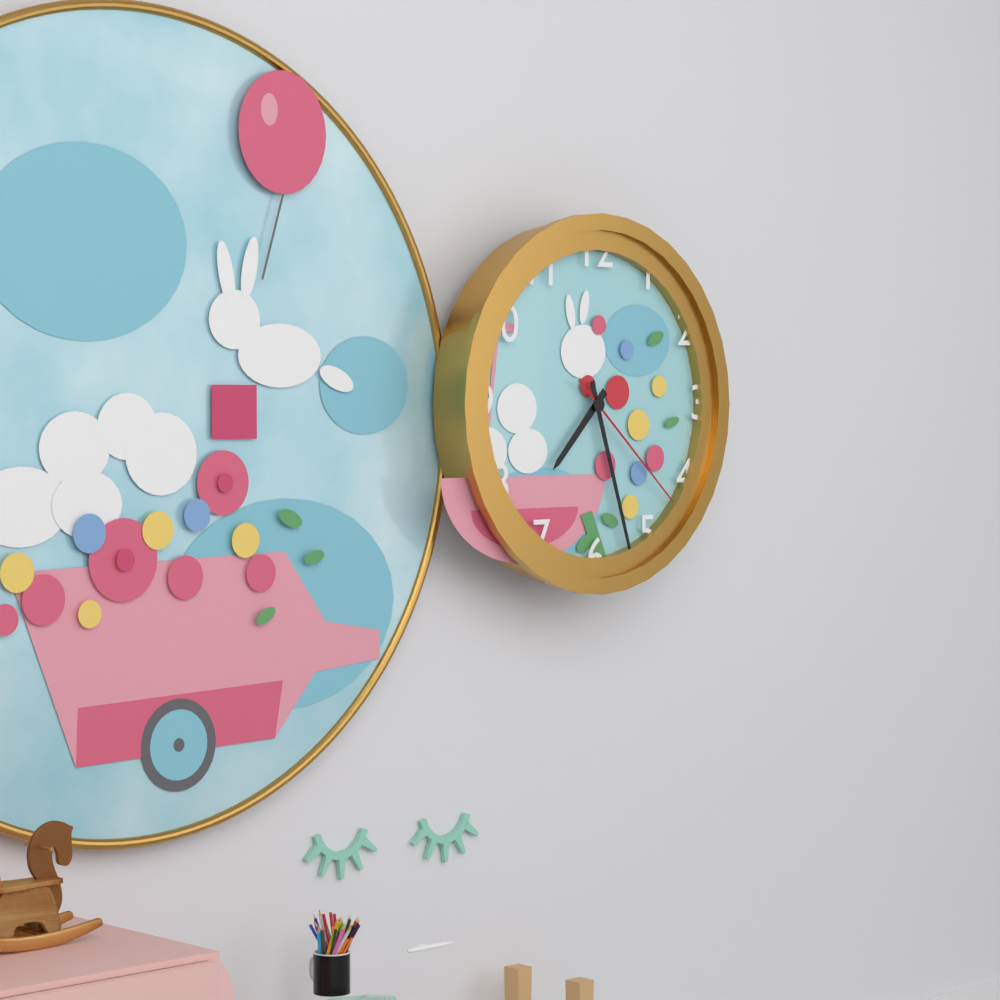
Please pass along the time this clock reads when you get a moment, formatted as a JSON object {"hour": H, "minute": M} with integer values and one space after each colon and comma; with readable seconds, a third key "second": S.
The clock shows {"hour": 7, "minute": 27, "second": 22}
